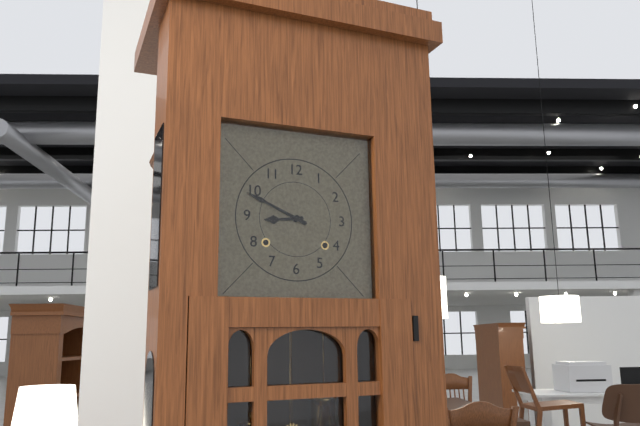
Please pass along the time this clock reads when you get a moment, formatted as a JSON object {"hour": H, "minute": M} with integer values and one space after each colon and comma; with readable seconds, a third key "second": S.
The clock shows {"hour": 8, "minute": 49}
